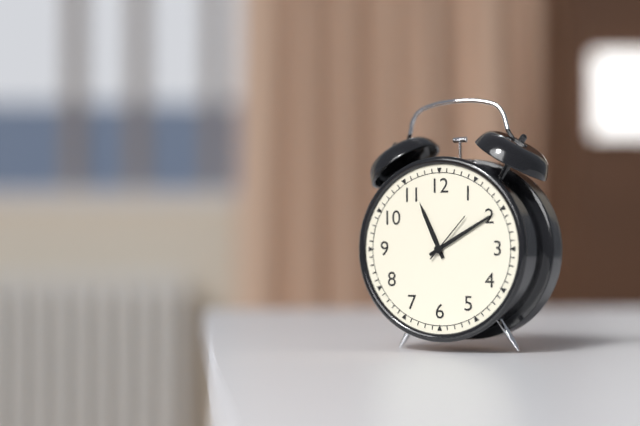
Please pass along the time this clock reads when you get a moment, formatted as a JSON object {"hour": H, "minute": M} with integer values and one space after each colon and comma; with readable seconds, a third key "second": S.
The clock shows {"hour": 11, "minute": 10, "second": 7}
